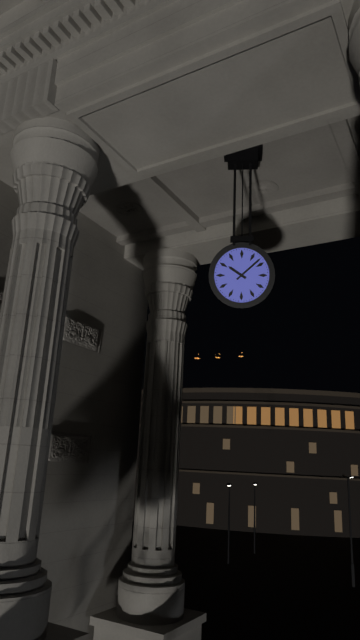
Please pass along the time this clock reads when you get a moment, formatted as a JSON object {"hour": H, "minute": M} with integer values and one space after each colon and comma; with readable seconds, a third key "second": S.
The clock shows {"hour": 10, "minute": 8}
